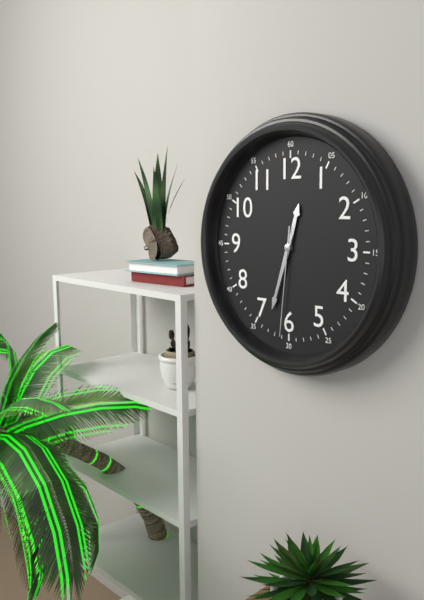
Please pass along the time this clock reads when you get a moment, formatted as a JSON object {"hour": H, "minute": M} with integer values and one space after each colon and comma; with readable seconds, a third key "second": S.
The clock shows {"hour": 12, "minute": 33, "second": 31}
